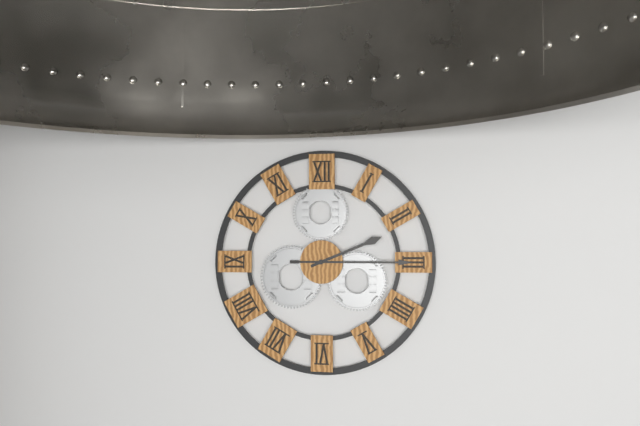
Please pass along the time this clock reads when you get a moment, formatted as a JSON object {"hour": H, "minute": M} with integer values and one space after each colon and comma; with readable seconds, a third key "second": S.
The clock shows {"hour": 2, "minute": 15}
